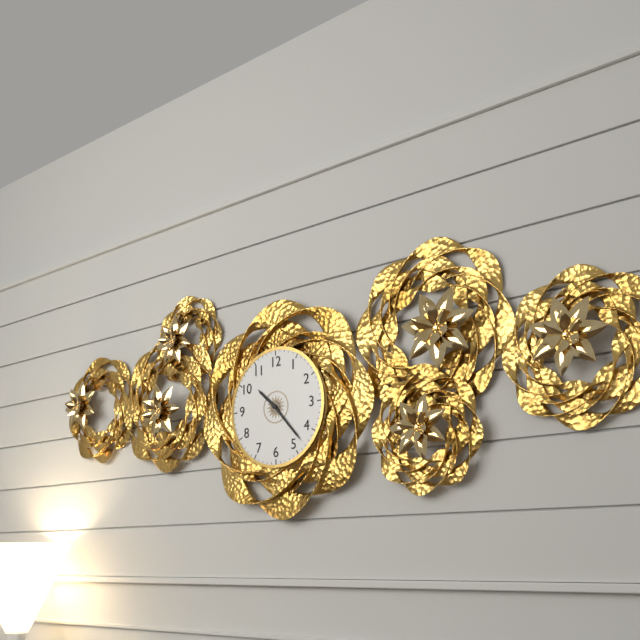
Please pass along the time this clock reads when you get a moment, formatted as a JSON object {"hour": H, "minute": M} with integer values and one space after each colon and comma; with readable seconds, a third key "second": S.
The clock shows {"hour": 10, "minute": 23}
